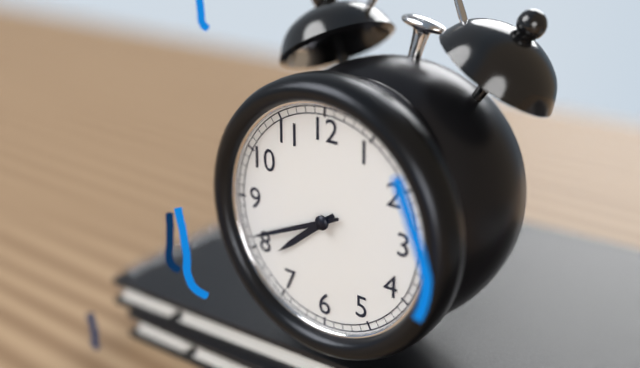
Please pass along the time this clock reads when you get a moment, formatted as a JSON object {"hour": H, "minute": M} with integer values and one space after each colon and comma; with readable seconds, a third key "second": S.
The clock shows {"hour": 7, "minute": 41}
